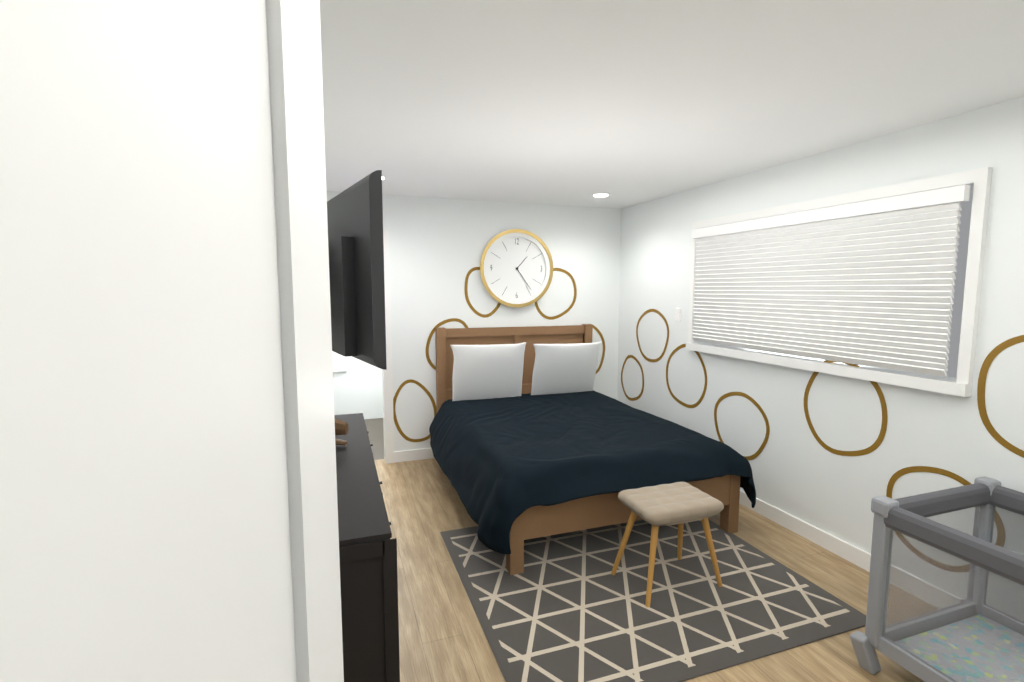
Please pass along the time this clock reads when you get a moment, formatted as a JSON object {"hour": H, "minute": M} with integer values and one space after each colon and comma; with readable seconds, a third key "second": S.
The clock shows {"hour": 1, "minute": 24}
